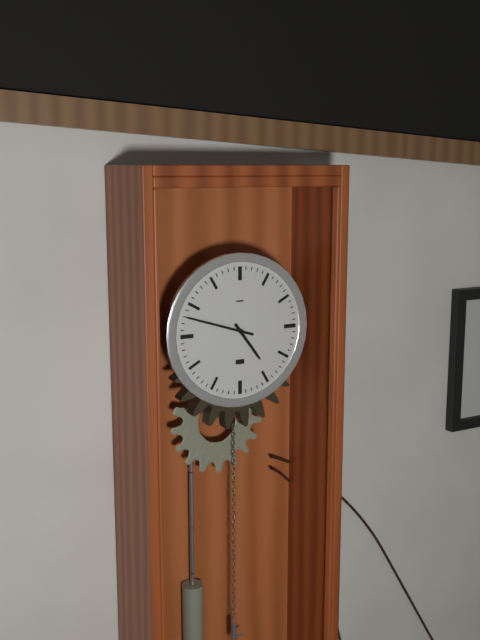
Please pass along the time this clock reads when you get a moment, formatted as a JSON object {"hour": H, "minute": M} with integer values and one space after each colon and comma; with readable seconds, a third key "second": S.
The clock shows {"hour": 4, "minute": 48}
